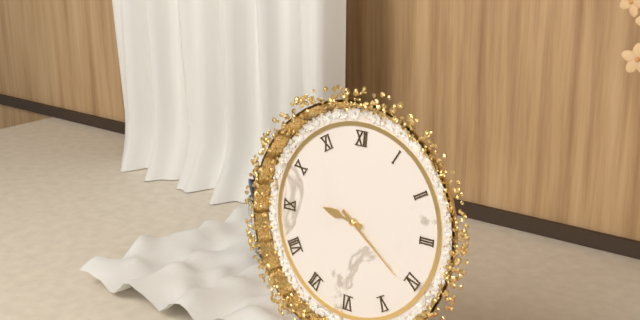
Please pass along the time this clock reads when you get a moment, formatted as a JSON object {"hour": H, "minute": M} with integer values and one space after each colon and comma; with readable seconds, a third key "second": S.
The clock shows {"hour": 9, "minute": 21}
